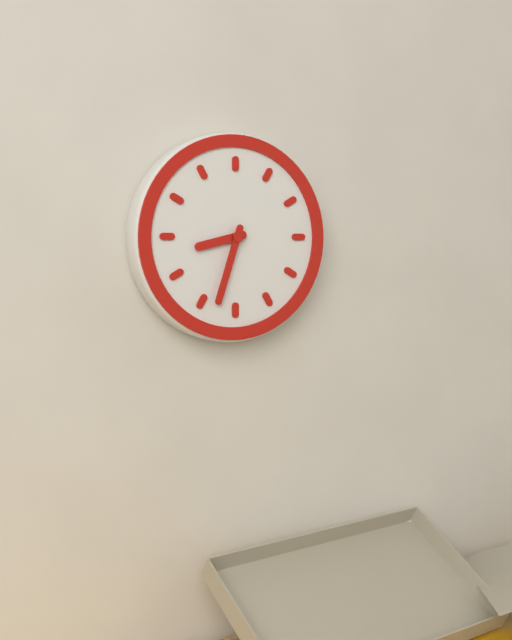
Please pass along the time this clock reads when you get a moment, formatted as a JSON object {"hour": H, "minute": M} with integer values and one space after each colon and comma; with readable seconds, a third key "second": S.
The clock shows {"hour": 8, "minute": 33}
